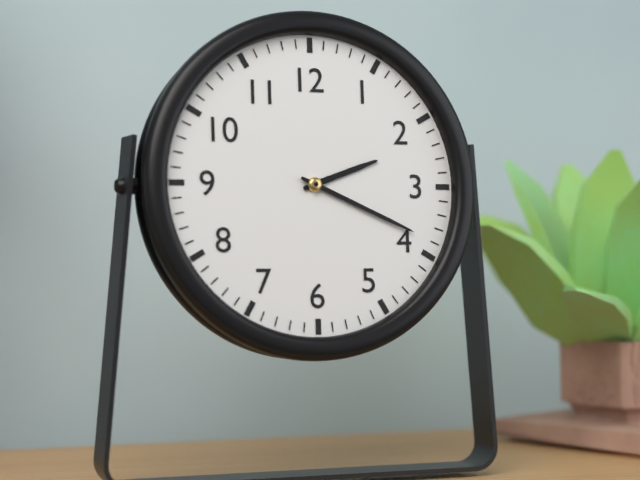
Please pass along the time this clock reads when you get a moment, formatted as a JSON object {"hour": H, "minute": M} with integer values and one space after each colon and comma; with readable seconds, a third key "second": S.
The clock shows {"hour": 2, "minute": 19}
